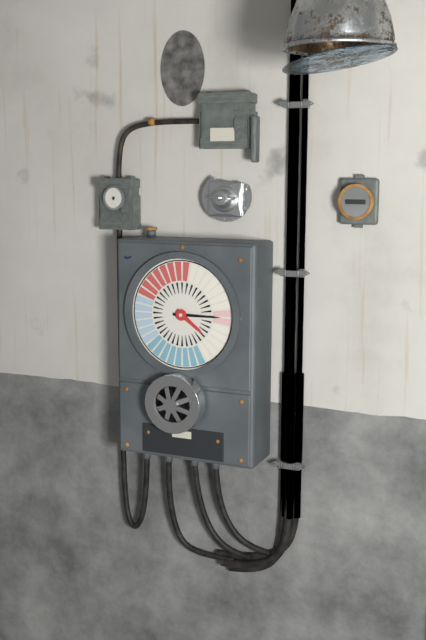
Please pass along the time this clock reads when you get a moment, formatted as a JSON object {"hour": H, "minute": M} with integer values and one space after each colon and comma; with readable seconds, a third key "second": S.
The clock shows {"hour": 4, "minute": 15}
